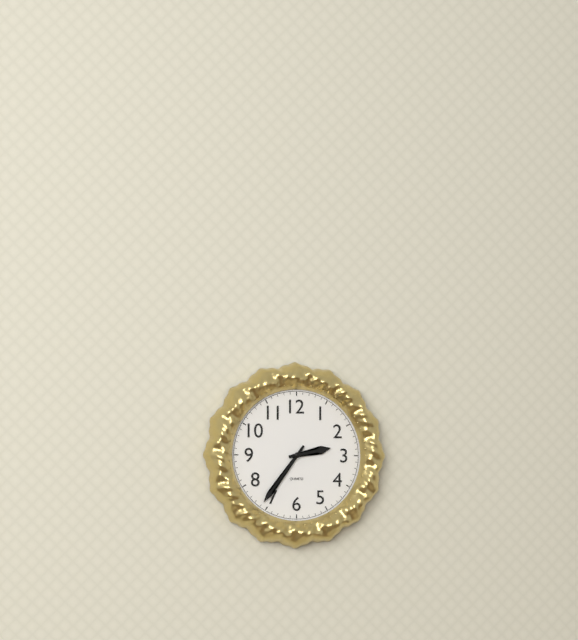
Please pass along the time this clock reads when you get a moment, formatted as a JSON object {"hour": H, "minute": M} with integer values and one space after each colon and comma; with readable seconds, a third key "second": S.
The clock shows {"hour": 2, "minute": 36}
